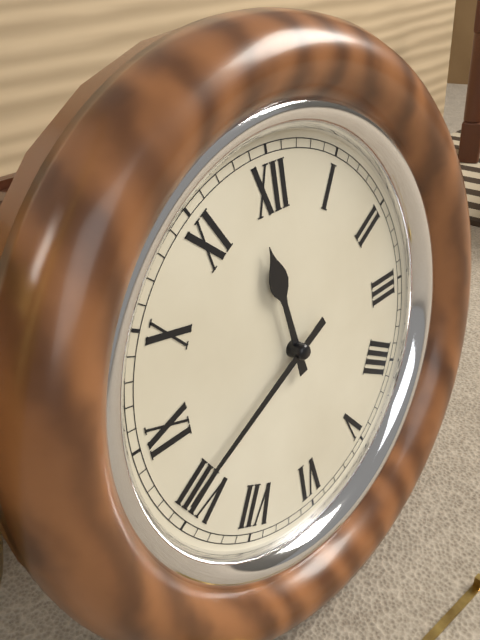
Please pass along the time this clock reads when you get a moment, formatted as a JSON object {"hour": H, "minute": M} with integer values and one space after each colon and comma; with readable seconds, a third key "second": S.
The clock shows {"hour": 11, "minute": 41}
